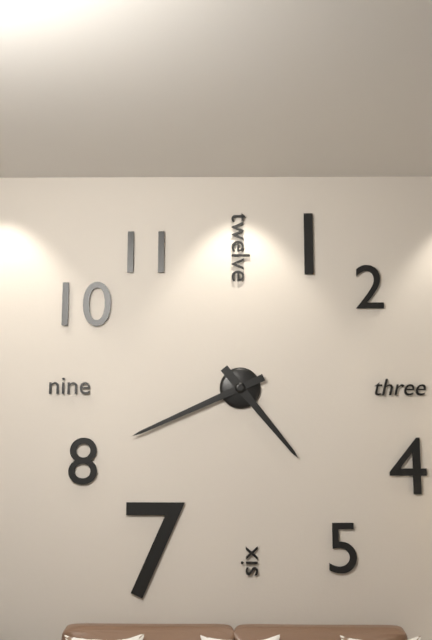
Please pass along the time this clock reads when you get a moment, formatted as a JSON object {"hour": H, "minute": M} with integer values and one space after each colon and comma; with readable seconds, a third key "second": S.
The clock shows {"hour": 4, "minute": 41}
